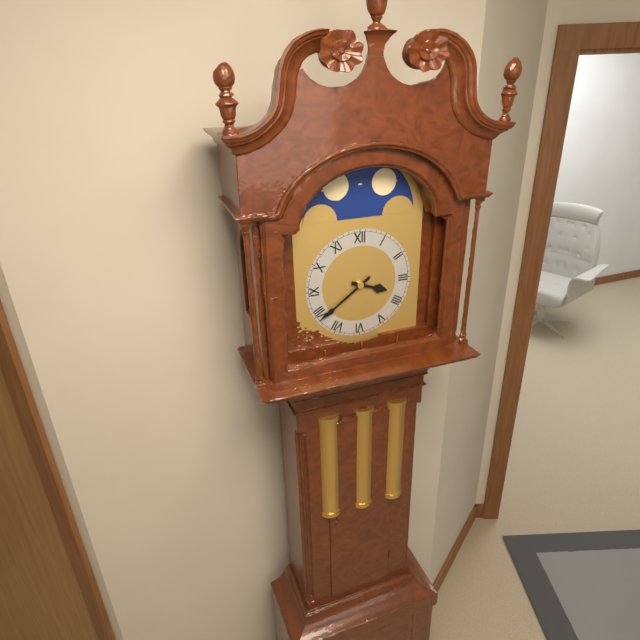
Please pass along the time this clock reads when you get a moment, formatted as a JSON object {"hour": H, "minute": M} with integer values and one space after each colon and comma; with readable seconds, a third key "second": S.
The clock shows {"hour": 3, "minute": 39}
